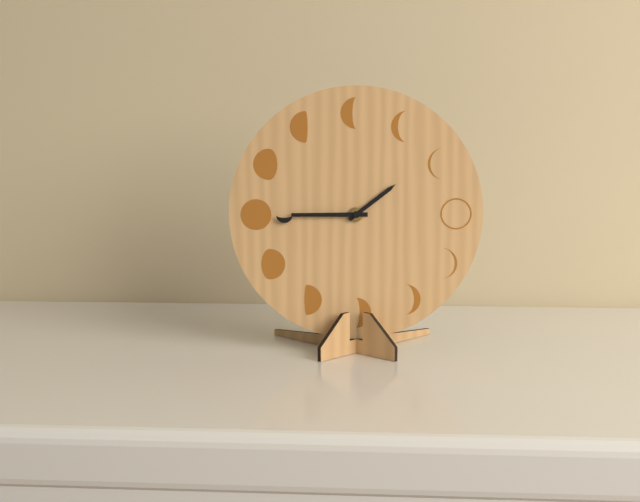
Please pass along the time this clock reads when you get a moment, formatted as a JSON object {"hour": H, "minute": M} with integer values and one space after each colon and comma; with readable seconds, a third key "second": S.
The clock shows {"hour": 1, "minute": 45}
